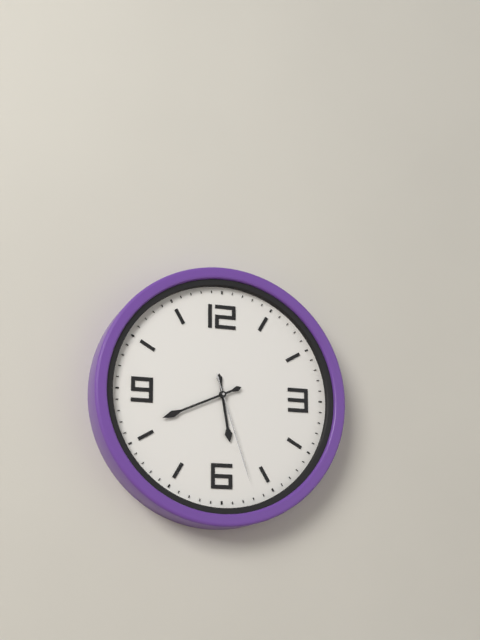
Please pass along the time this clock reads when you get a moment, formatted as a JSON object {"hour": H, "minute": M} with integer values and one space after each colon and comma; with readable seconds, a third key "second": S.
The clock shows {"hour": 5, "minute": 41, "second": 27}
